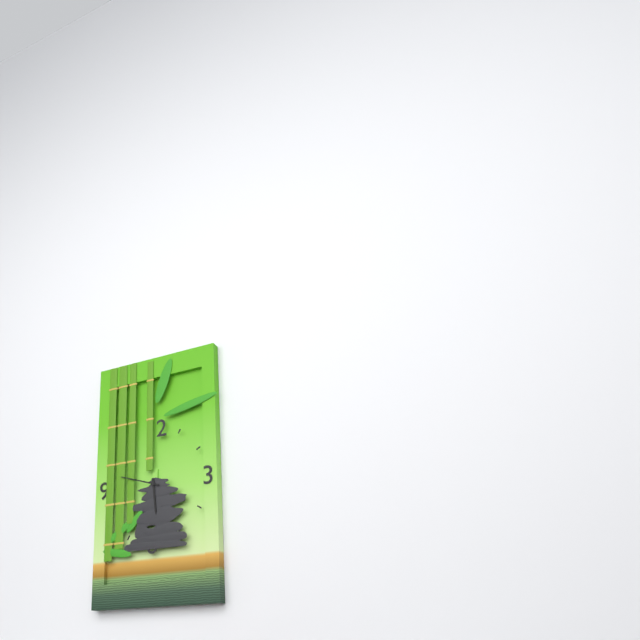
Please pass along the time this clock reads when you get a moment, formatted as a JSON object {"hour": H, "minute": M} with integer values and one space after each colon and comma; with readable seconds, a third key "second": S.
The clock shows {"hour": 5, "minute": 48}
